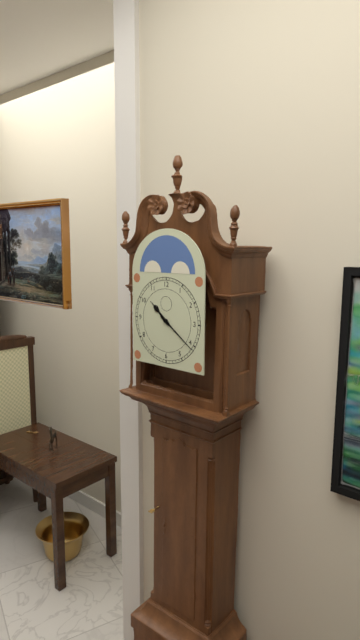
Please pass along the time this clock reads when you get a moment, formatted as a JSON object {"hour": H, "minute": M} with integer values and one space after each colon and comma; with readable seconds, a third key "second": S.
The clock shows {"hour": 10, "minute": 21}
